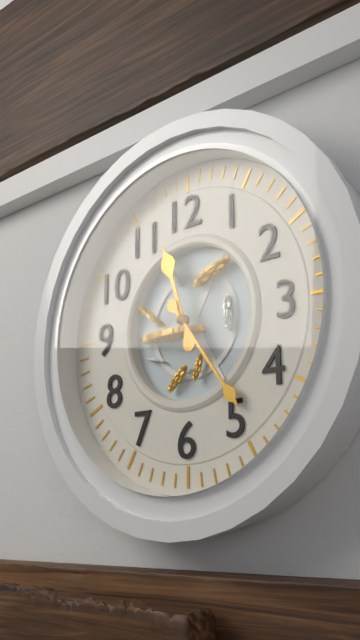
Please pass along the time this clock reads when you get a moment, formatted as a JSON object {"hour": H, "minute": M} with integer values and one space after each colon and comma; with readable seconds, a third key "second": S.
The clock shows {"hour": 11, "minute": 24}
